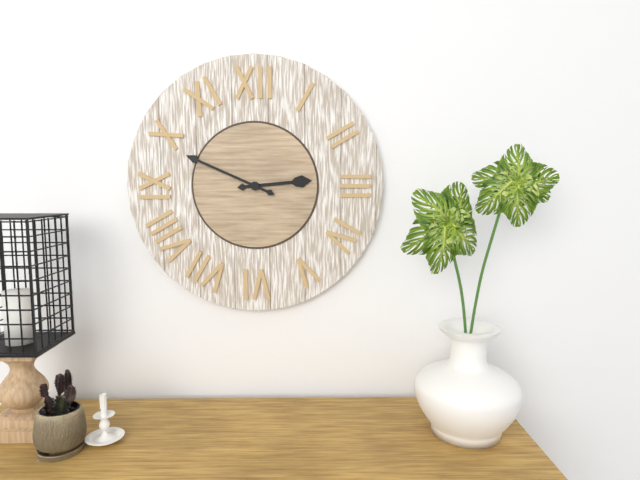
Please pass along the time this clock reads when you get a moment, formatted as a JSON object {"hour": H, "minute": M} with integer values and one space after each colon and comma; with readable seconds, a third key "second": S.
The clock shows {"hour": 2, "minute": 49}
